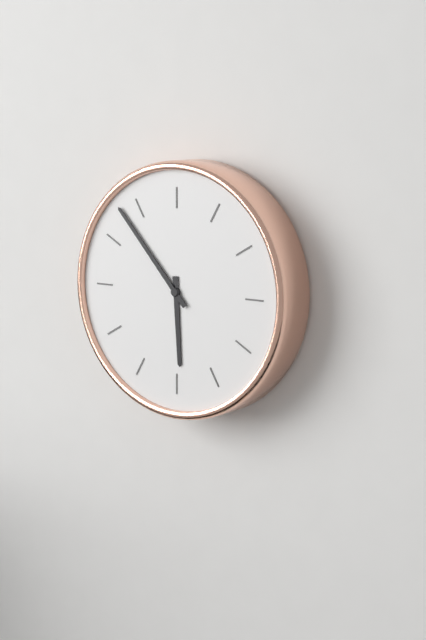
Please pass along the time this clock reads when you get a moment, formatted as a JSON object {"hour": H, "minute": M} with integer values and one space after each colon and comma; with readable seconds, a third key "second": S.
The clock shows {"hour": 5, "minute": 53}
